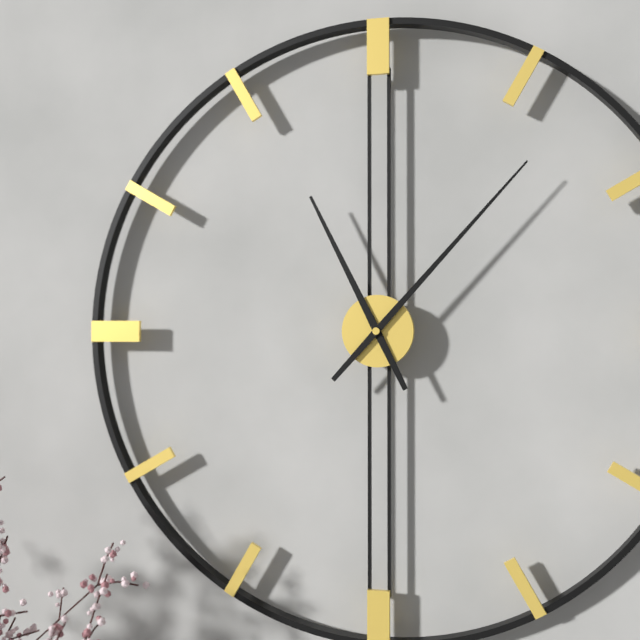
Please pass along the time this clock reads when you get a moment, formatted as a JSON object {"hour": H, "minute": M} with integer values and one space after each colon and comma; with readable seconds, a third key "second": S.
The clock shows {"hour": 11, "minute": 7}
